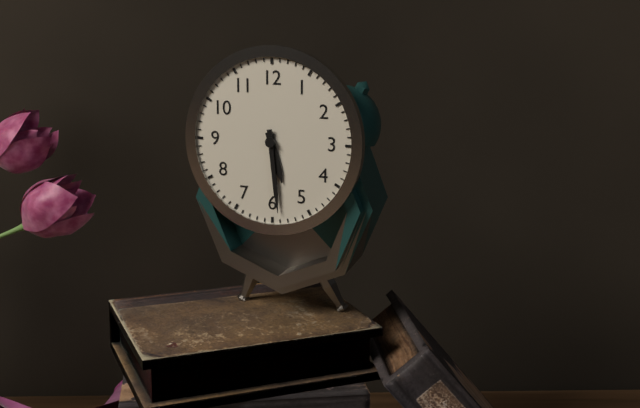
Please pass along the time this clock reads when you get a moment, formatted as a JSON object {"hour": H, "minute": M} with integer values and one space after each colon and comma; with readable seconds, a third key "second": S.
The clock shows {"hour": 5, "minute": 29}
